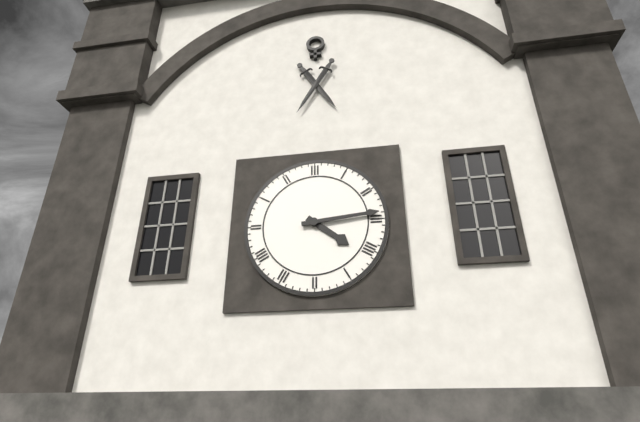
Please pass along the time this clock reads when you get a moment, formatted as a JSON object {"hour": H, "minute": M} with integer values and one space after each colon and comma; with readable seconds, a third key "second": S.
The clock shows {"hour": 4, "minute": 14}
